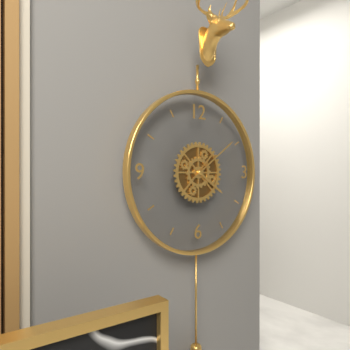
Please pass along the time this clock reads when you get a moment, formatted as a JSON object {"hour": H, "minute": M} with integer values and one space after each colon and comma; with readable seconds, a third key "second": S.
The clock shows {"hour": 4, "minute": 9}
